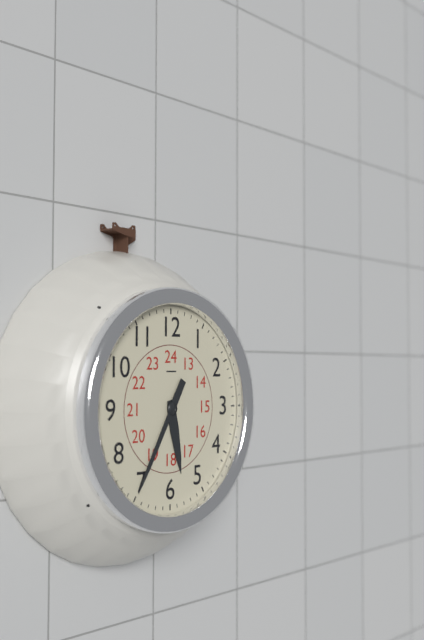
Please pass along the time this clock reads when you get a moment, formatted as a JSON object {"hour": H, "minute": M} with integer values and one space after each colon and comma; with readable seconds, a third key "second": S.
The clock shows {"hour": 5, "minute": 35}
